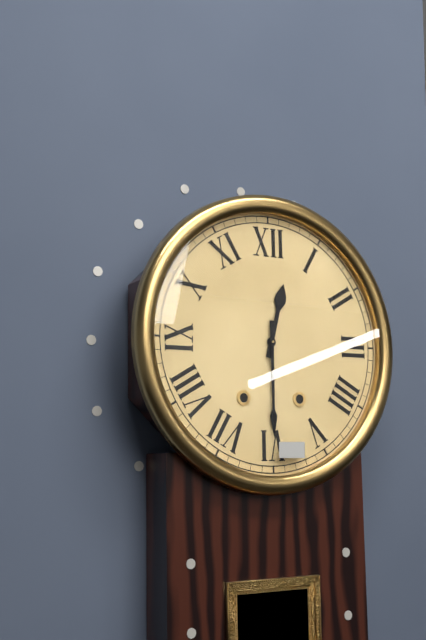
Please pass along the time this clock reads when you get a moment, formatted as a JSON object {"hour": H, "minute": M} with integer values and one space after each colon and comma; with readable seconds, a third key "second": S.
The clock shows {"hour": 12, "minute": 30}
